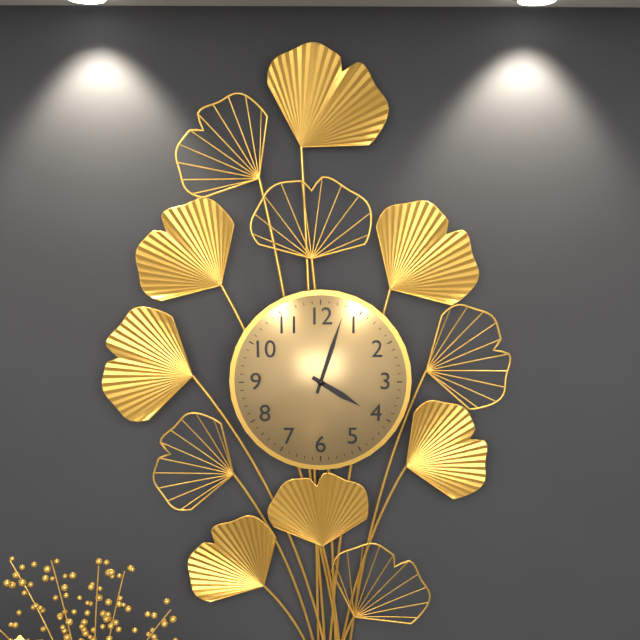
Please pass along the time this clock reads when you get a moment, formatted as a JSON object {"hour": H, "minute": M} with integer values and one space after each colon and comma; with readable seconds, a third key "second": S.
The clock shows {"hour": 4, "minute": 3}
